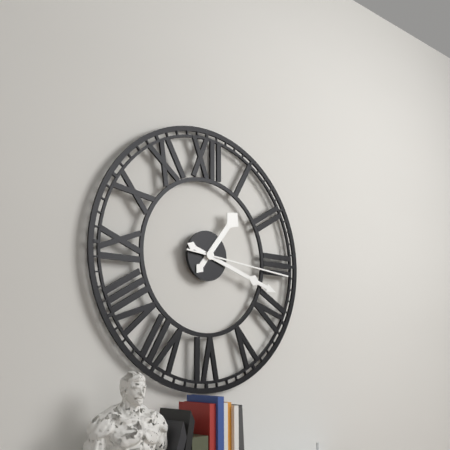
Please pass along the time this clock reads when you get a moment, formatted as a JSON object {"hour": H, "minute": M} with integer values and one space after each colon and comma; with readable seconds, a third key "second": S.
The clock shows {"hour": 1, "minute": 18, "second": 16}
